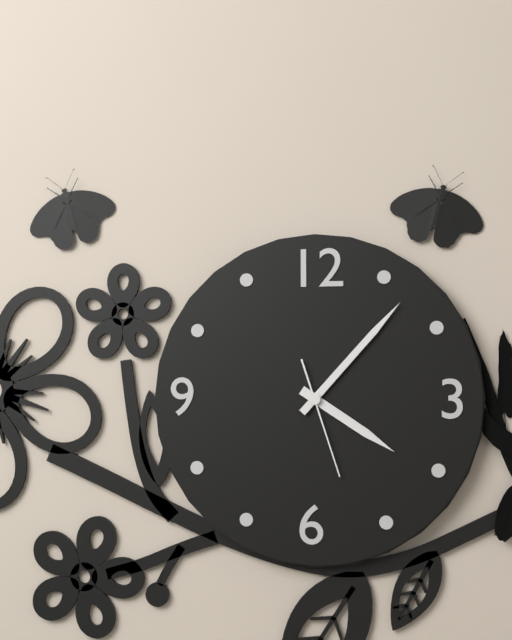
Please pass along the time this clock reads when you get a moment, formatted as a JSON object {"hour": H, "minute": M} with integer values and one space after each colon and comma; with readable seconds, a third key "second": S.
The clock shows {"hour": 4, "minute": 7, "second": 27}
